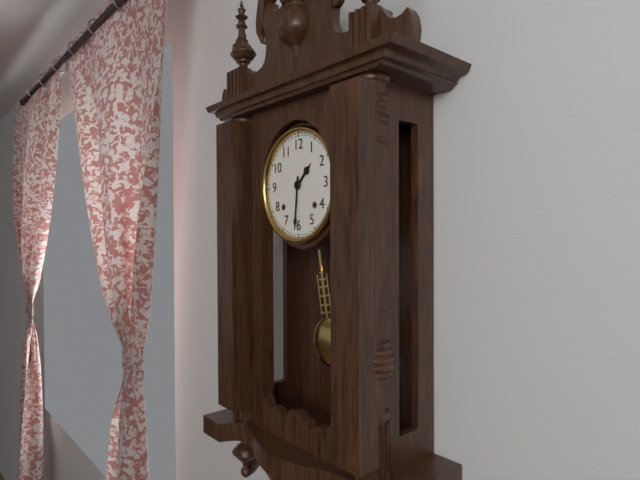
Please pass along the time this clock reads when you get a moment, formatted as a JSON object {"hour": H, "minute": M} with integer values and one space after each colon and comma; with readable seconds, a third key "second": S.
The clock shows {"hour": 1, "minute": 31}
